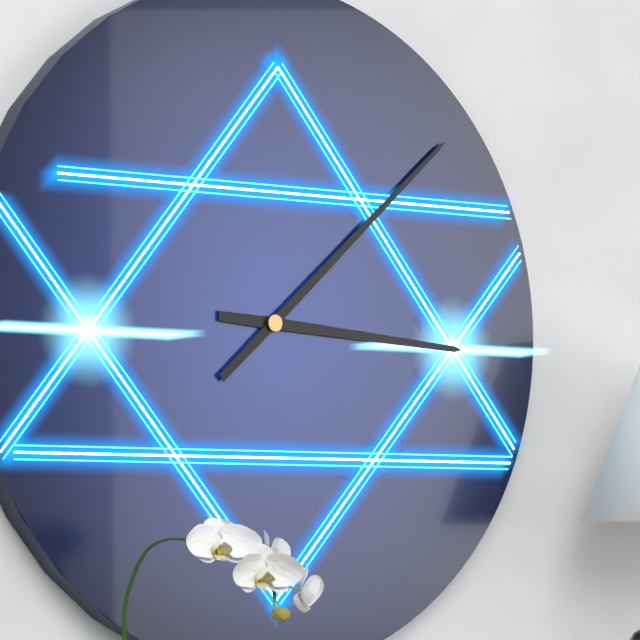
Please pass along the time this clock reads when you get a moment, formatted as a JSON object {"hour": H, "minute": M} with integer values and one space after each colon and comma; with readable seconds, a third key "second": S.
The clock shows {"hour": 3, "minute": 8}
